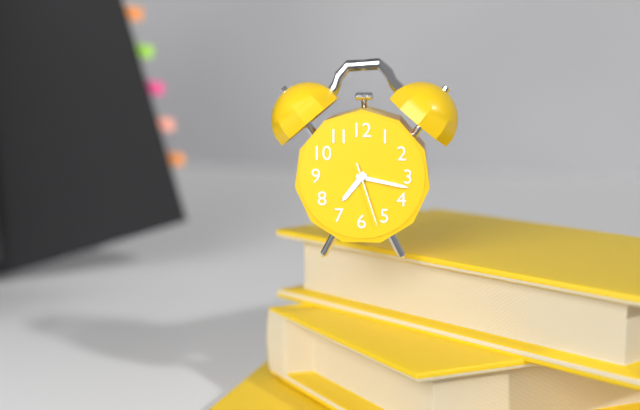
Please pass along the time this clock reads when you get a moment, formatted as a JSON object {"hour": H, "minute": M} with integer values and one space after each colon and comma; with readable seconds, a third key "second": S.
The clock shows {"hour": 7, "minute": 17, "second": 27}
